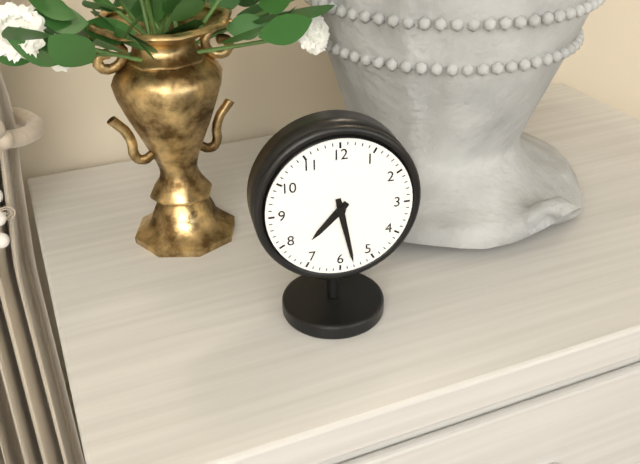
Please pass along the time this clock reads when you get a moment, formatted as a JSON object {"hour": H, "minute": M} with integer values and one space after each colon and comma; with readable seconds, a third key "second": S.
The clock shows {"hour": 7, "minute": 28}
